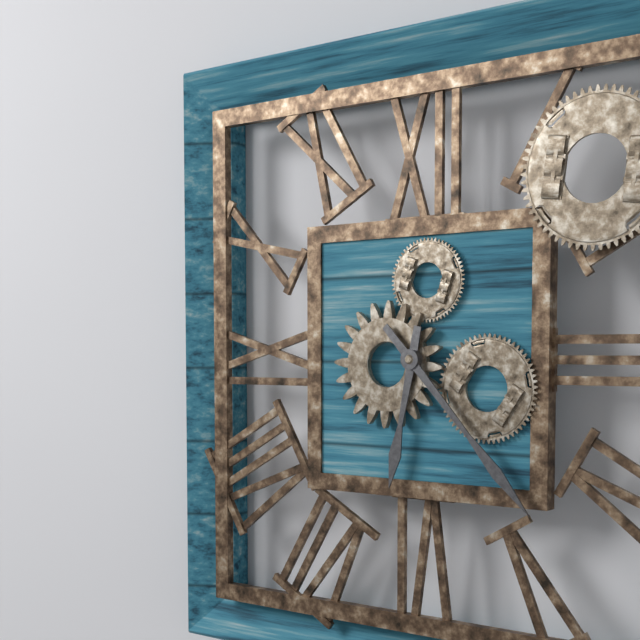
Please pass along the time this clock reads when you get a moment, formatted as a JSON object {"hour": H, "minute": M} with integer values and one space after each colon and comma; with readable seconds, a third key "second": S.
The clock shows {"hour": 6, "minute": 23}
